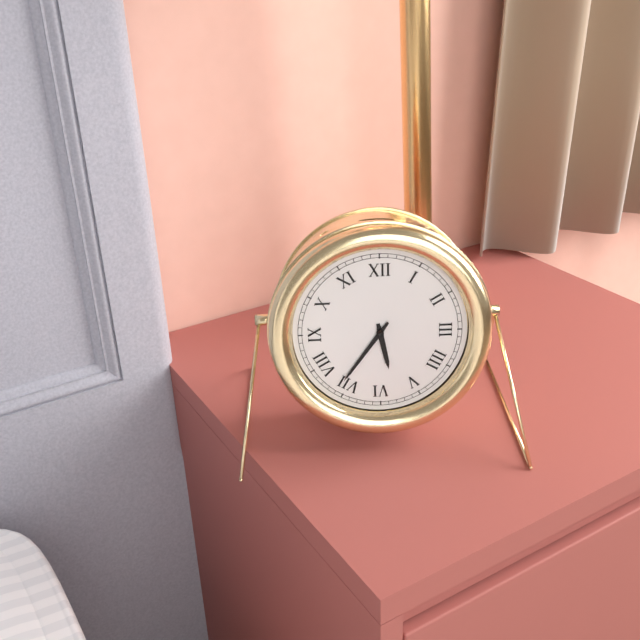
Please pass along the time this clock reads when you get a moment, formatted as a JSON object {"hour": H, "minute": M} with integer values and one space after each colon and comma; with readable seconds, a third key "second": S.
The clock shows {"hour": 5, "minute": 36}
